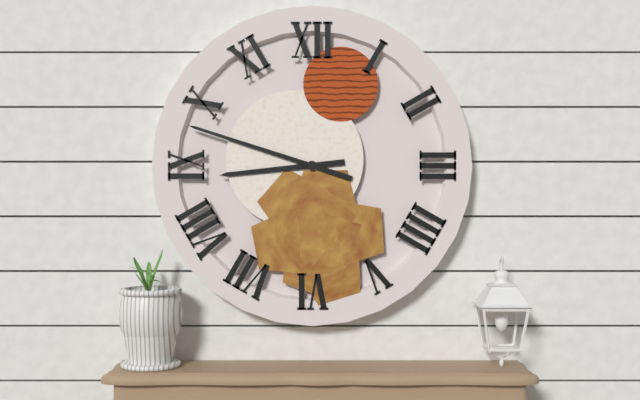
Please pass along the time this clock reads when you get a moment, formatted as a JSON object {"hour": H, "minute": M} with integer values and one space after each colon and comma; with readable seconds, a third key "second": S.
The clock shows {"hour": 8, "minute": 48}
